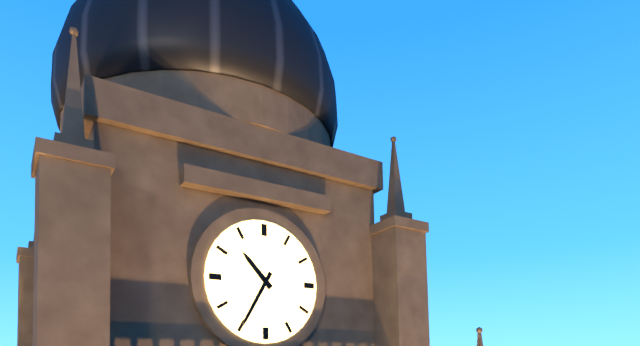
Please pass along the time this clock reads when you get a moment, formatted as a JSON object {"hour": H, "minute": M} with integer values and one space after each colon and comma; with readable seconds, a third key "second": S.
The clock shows {"hour": 10, "minute": 35}
